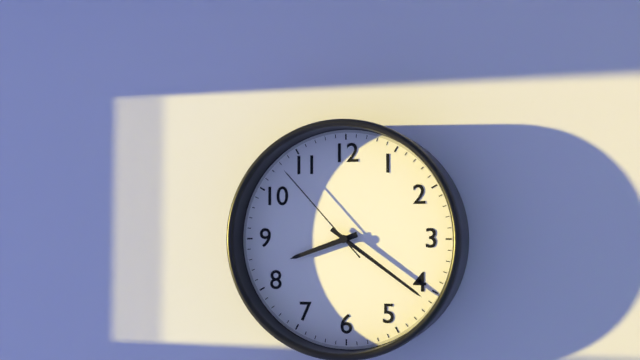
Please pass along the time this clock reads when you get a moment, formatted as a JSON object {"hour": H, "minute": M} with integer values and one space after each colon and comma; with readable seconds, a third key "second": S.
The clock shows {"hour": 8, "minute": 21, "second": 53}
